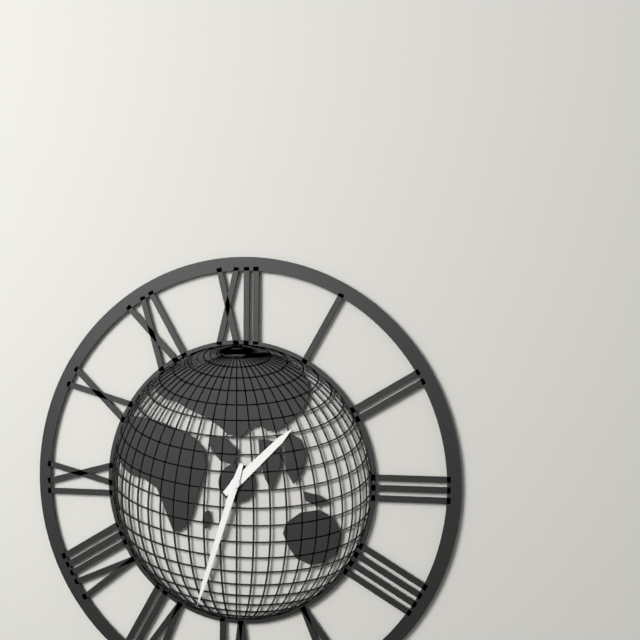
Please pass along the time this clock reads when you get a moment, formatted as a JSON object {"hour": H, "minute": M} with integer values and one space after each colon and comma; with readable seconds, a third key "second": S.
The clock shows {"hour": 1, "minute": 33}
